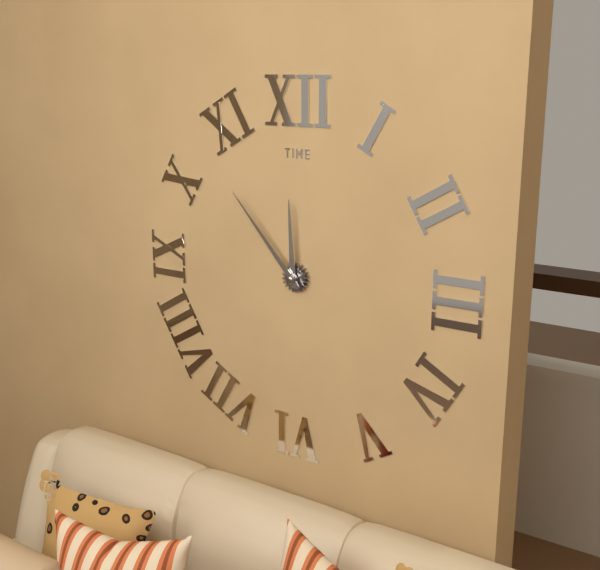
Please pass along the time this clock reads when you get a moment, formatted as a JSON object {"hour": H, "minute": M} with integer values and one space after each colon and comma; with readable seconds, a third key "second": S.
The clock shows {"hour": 11, "minute": 53}
